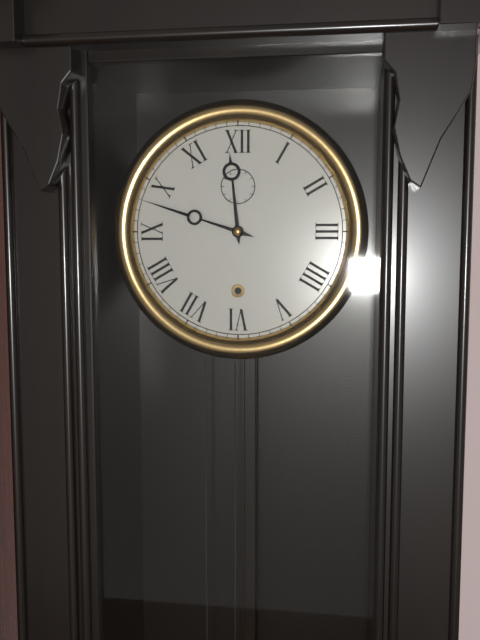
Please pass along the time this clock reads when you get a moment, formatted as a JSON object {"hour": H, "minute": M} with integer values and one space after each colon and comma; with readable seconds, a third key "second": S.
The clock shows {"hour": 11, "minute": 48}
